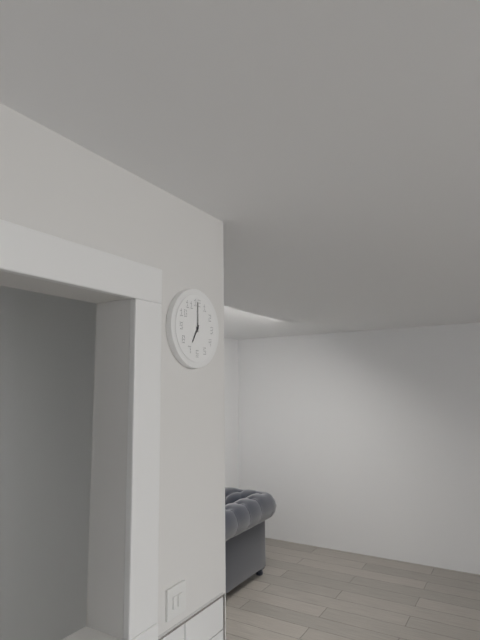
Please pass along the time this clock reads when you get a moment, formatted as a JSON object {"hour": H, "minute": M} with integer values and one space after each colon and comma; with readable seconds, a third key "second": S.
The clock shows {"hour": 7, "minute": 0}
